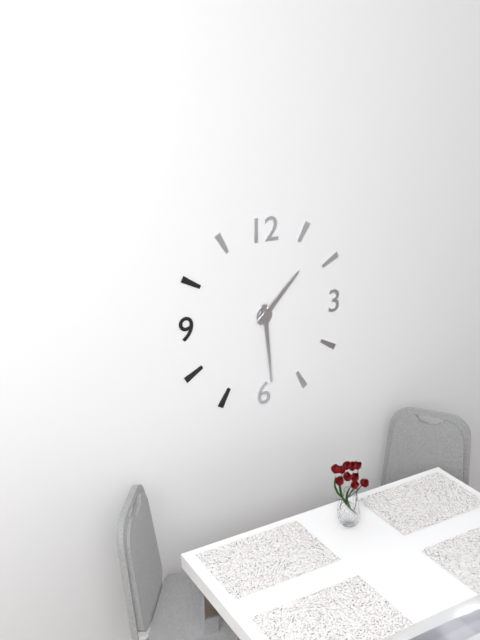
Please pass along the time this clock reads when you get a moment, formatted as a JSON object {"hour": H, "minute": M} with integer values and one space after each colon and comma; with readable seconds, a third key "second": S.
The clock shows {"hour": 1, "minute": 29}
